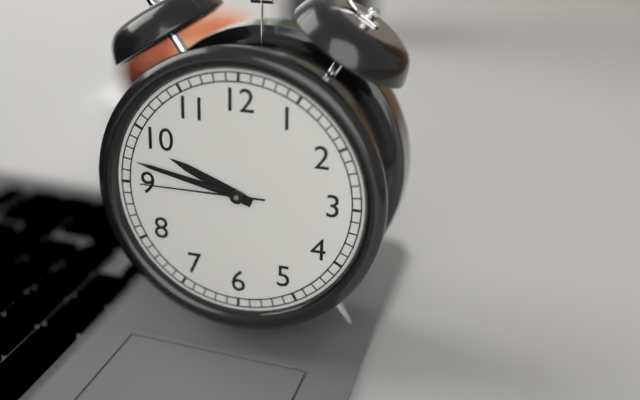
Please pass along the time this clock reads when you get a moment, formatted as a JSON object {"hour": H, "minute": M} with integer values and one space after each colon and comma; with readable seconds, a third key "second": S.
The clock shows {"hour": 9, "minute": 47, "second": 45}
